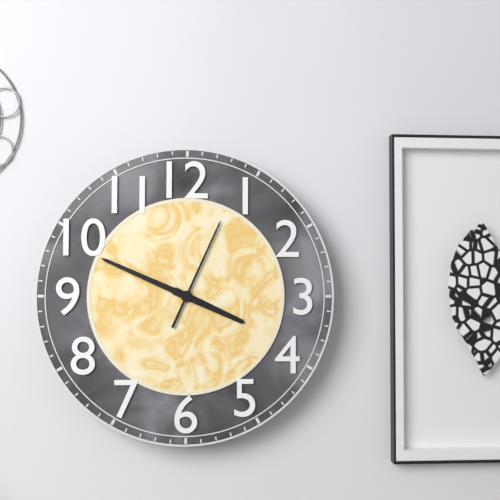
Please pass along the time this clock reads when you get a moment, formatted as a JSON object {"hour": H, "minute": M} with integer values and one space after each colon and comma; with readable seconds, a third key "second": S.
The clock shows {"hour": 3, "minute": 49, "second": 4}
